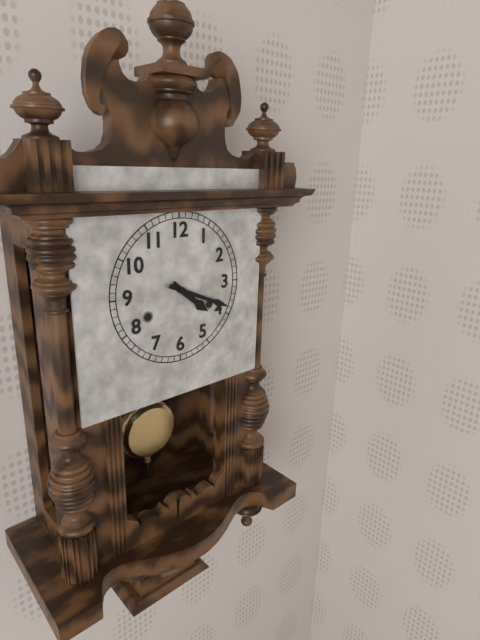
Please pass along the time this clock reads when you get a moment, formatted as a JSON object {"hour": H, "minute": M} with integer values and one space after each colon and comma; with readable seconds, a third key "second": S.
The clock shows {"hour": 4, "minute": 19}
